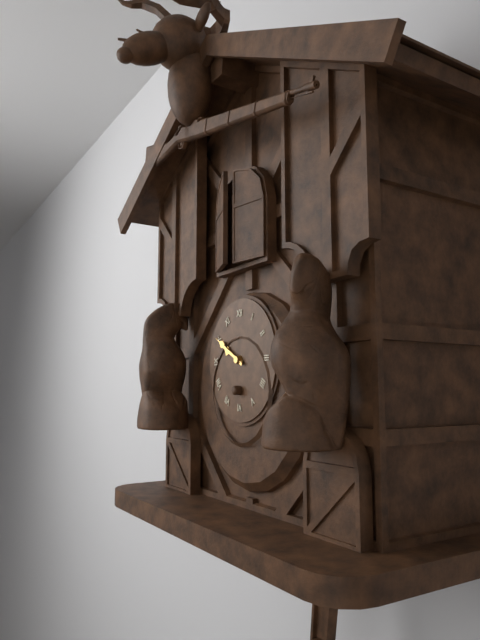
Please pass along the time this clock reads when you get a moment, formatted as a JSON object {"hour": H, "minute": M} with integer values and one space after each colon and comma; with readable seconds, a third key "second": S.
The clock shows {"hour": 9, "minute": 50}
